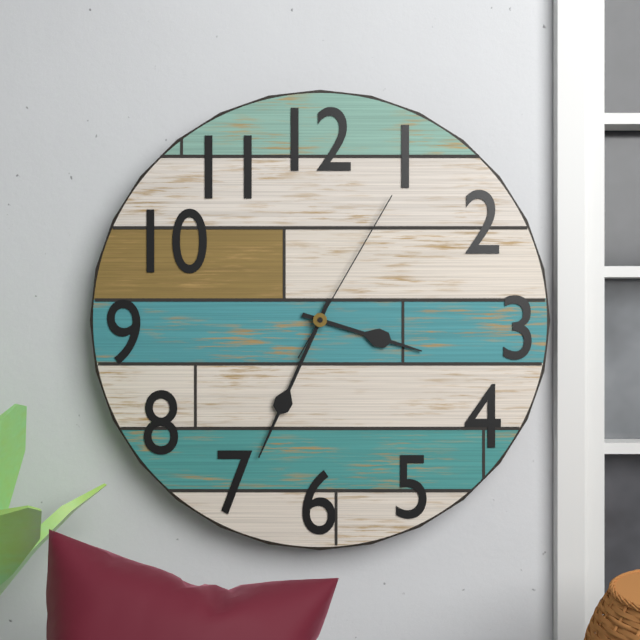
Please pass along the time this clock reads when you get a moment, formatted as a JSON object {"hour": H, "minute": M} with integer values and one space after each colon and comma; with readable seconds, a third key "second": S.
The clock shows {"hour": 3, "minute": 34, "second": 5}
